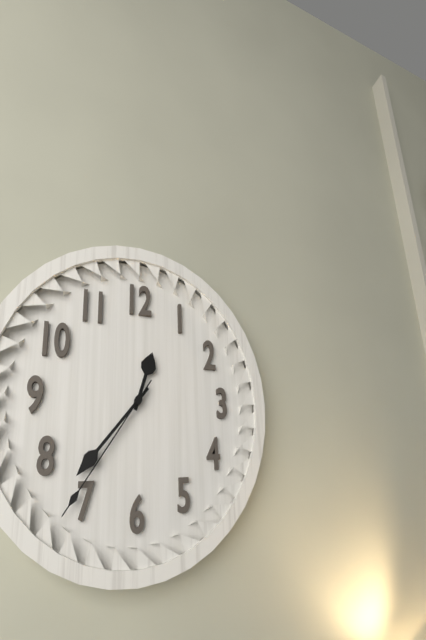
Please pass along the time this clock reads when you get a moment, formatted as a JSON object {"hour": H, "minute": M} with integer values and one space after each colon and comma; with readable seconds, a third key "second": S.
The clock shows {"hour": 12, "minute": 37, "second": 36}
